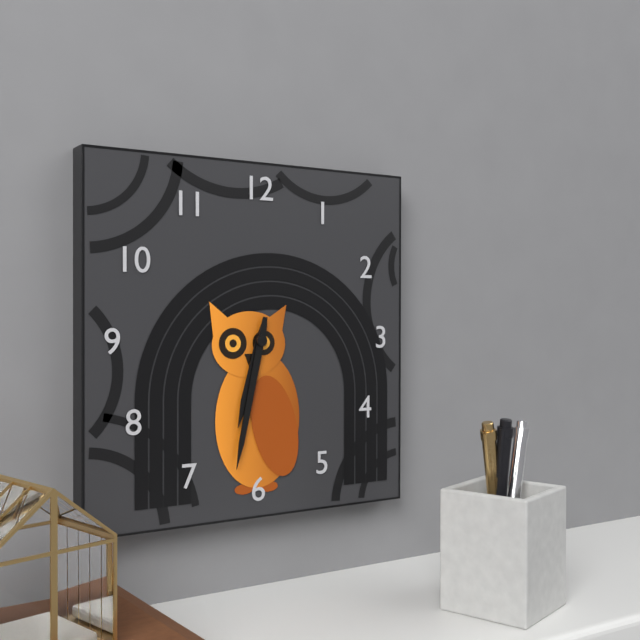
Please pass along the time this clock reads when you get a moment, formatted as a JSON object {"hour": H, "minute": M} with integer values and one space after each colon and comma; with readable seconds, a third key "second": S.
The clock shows {"hour": 6, "minute": 32}
